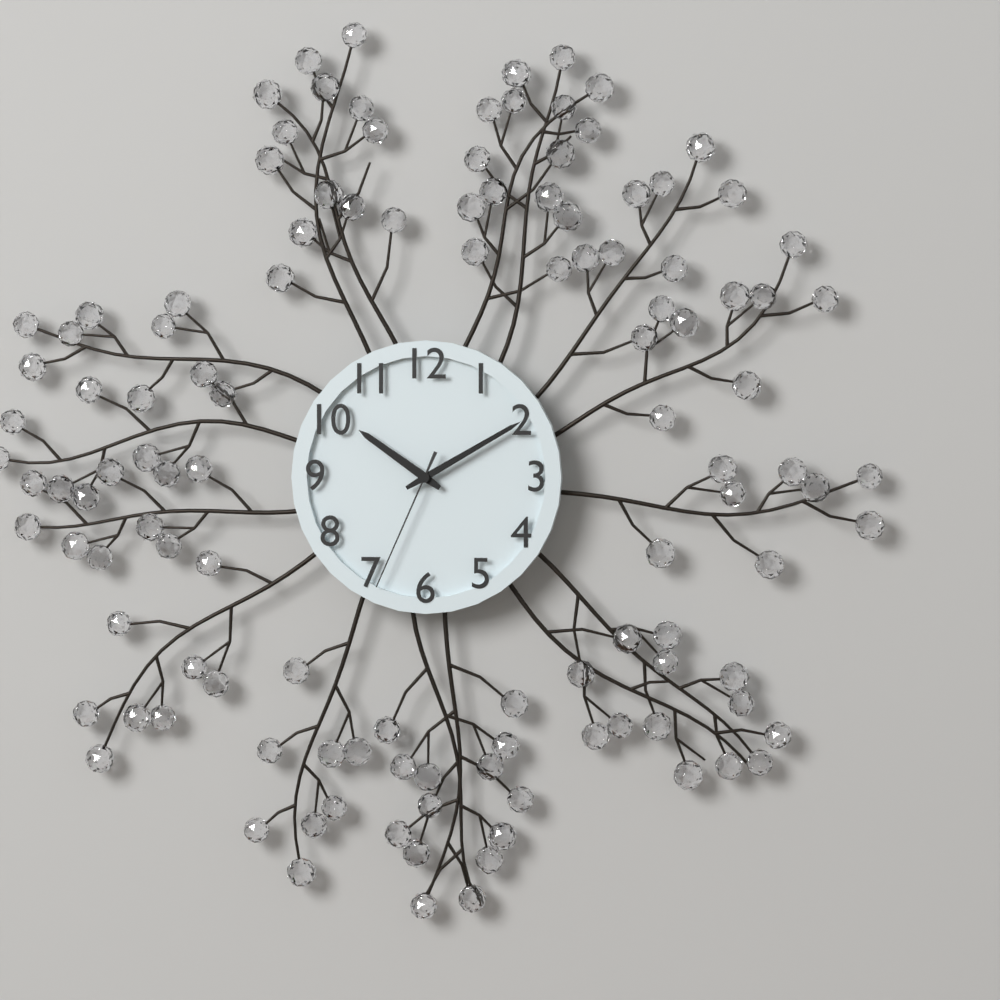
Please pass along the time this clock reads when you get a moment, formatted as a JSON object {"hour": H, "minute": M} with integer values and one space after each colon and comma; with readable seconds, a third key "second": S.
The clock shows {"hour": 10, "minute": 10, "second": 34}
